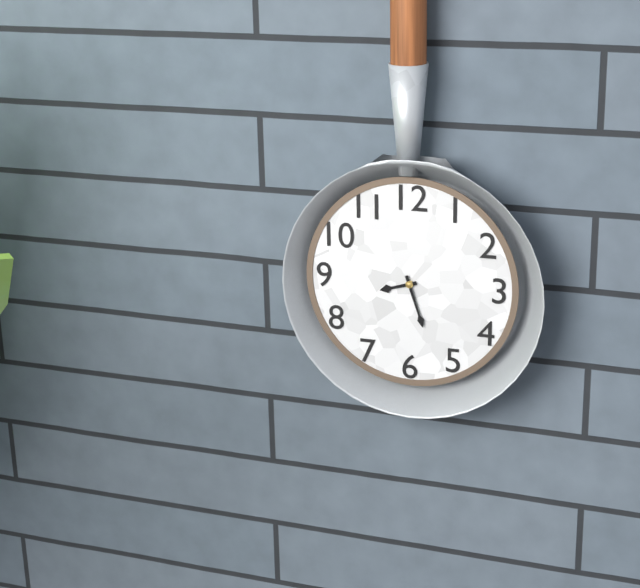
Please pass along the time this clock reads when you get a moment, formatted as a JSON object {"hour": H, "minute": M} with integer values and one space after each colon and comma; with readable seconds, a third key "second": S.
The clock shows {"hour": 8, "minute": 27}
